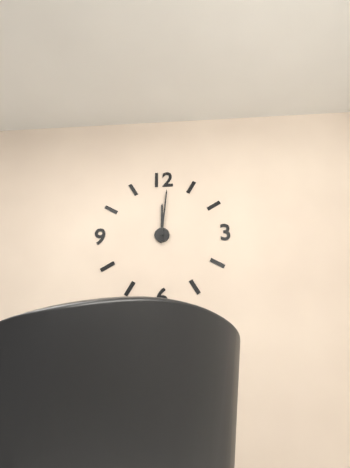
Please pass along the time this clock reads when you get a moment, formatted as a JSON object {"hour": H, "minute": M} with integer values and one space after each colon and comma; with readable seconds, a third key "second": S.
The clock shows {"hour": 12, "minute": 1}
